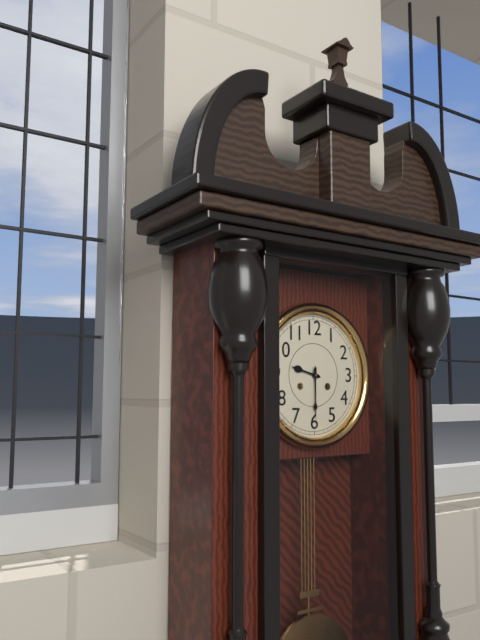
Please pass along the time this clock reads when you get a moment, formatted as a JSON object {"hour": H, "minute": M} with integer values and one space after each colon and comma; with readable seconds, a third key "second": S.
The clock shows {"hour": 9, "minute": 30}
